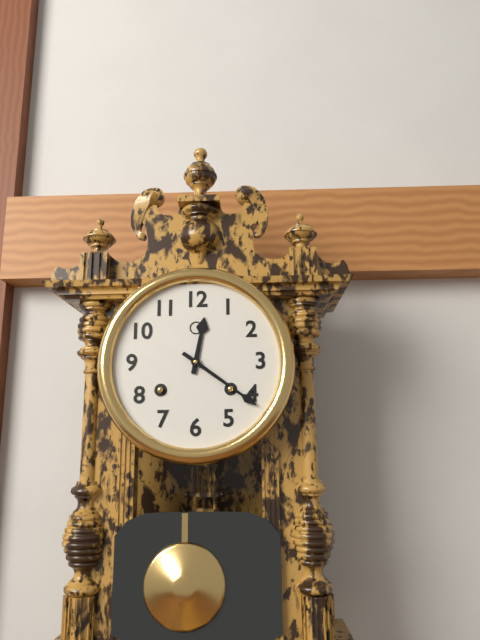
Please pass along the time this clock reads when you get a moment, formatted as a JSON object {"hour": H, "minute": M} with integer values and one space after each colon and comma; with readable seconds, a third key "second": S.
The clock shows {"hour": 12, "minute": 21}
